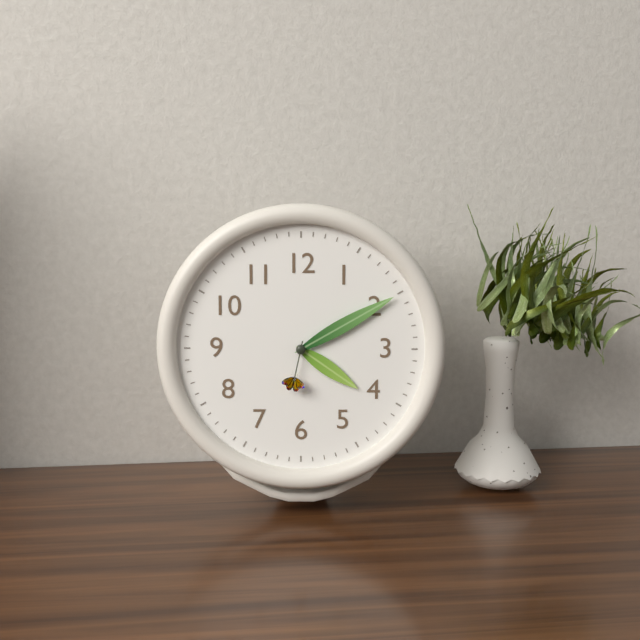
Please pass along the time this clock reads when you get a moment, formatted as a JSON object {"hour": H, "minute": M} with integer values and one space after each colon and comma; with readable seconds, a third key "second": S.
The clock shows {"hour": 4, "minute": 10, "second": 32}
